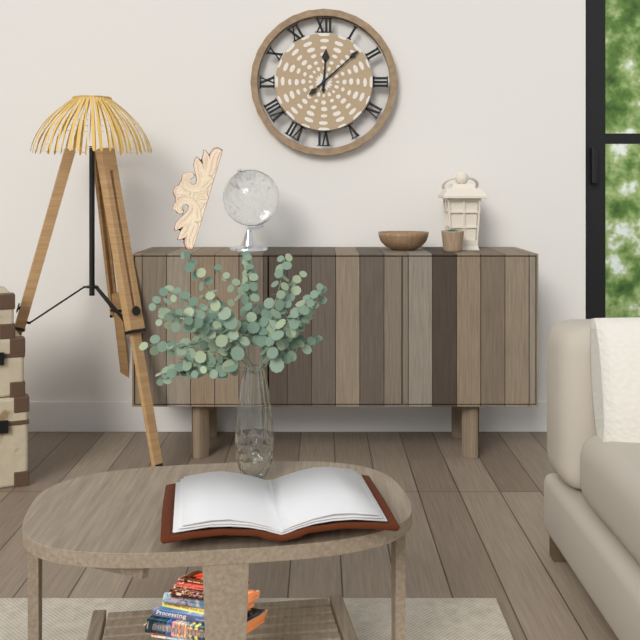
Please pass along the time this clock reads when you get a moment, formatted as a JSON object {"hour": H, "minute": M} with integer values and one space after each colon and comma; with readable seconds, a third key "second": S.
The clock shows {"hour": 12, "minute": 8}
